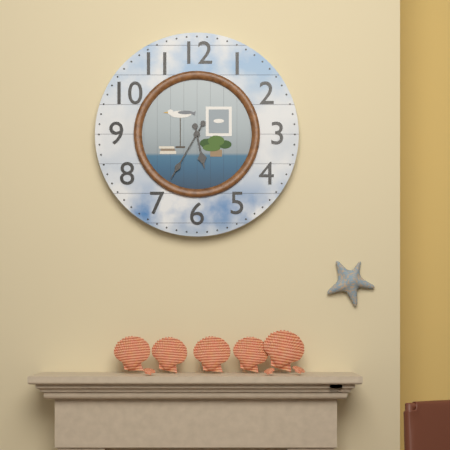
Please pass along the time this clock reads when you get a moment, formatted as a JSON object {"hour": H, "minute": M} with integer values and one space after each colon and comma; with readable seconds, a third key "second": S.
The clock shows {"hour": 5, "minute": 35}
